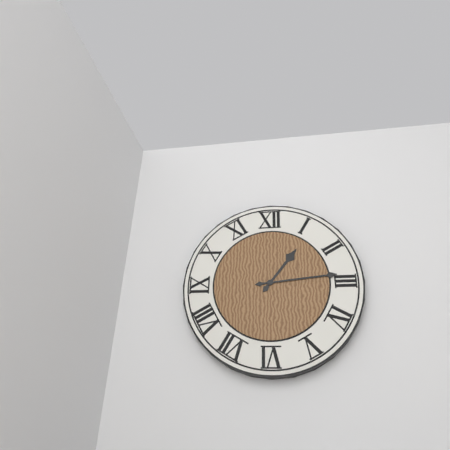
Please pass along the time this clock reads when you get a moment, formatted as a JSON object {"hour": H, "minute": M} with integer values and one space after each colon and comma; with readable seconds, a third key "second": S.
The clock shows {"hour": 1, "minute": 14}
